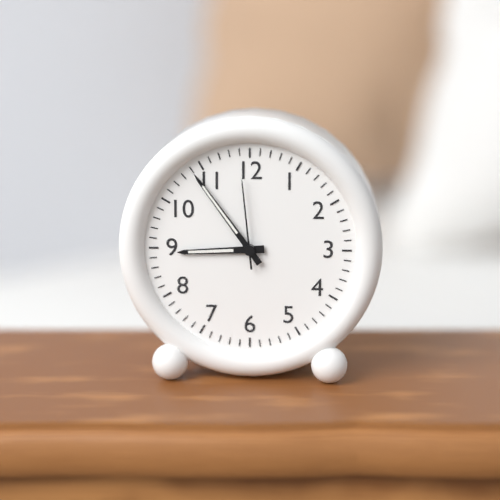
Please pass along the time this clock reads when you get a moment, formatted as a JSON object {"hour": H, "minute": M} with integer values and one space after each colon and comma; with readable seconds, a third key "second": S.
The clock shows {"hour": 8, "minute": 54, "second": 59}
